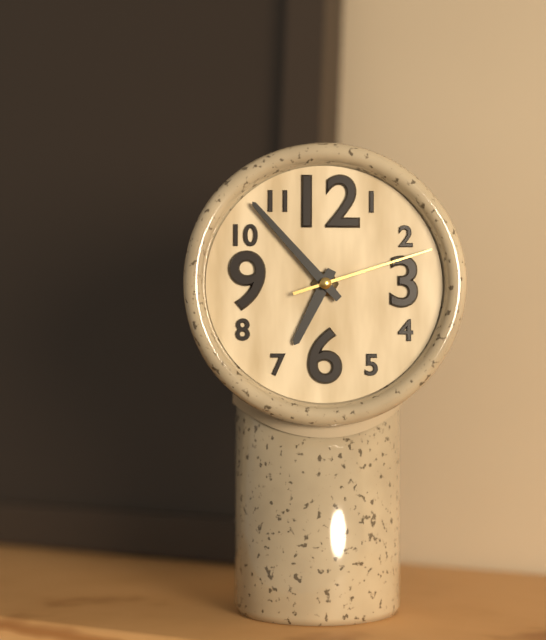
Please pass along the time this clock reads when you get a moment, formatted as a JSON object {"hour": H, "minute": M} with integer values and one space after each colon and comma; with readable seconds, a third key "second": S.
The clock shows {"hour": 6, "minute": 53, "second": 12}
